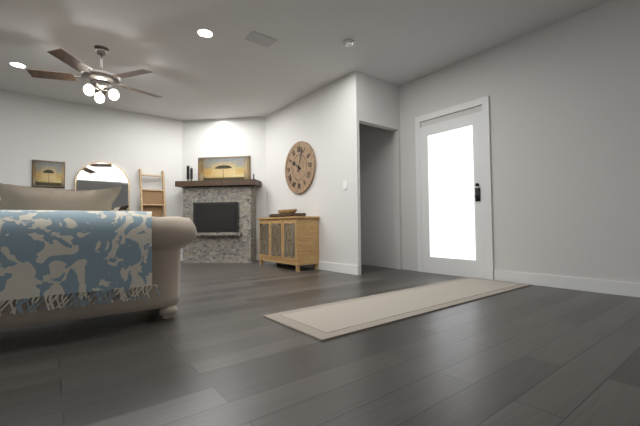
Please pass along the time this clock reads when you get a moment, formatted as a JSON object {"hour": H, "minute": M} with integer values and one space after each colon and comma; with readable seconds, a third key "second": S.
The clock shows {"hour": 10, "minute": 3}
